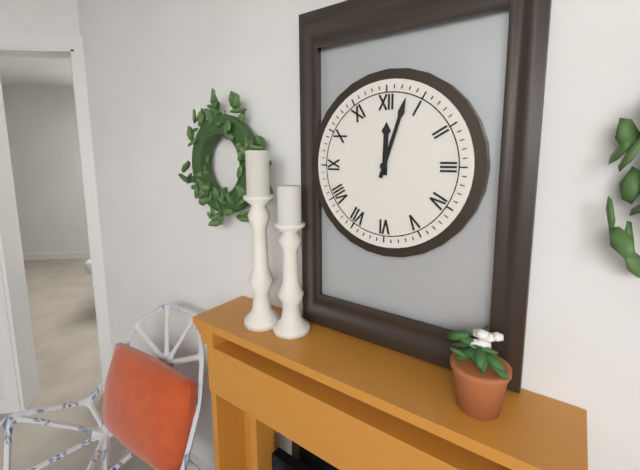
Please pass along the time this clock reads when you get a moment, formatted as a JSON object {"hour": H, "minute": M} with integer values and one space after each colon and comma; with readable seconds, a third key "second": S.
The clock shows {"hour": 12, "minute": 3}
